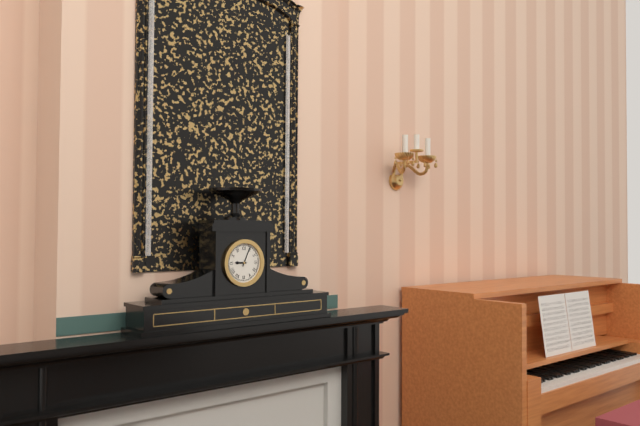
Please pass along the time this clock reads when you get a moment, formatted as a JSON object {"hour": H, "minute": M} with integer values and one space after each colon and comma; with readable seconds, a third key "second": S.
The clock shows {"hour": 9, "minute": 4}
